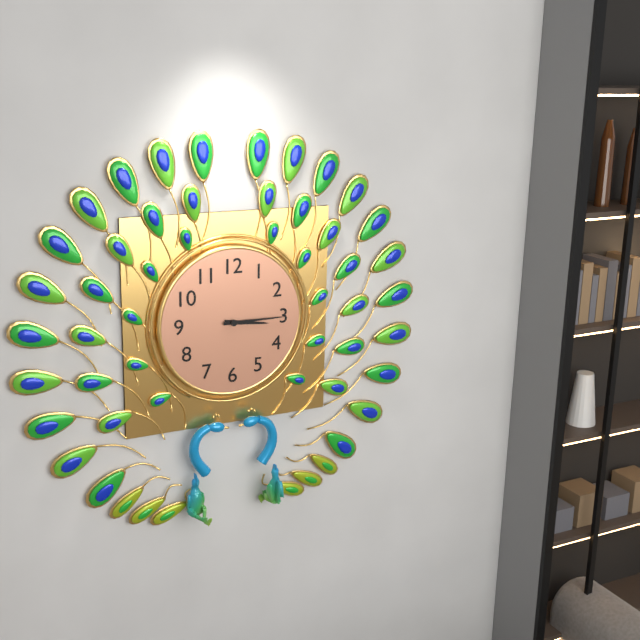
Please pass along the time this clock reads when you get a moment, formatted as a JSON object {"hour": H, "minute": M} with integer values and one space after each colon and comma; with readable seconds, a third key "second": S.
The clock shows {"hour": 3, "minute": 15}
